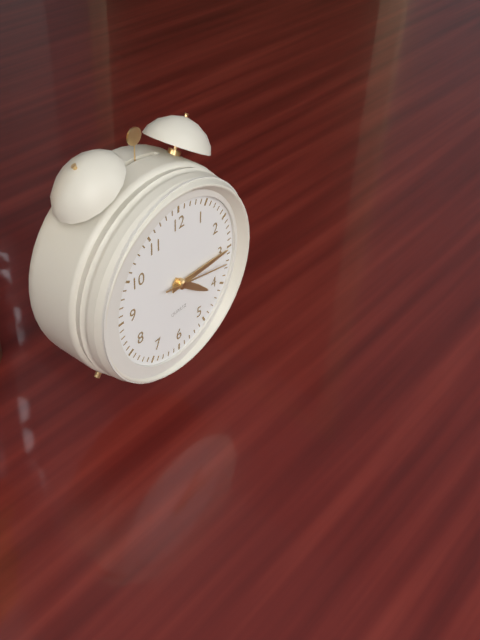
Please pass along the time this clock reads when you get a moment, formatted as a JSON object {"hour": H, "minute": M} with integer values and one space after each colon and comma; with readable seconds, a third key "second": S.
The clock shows {"hour": 4, "minute": 15, "second": 17}
